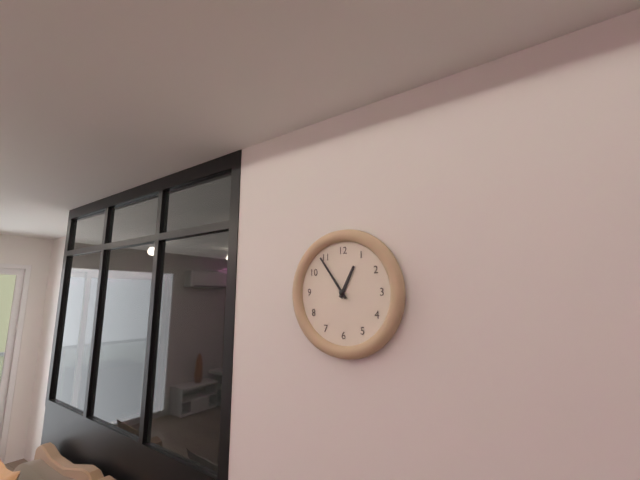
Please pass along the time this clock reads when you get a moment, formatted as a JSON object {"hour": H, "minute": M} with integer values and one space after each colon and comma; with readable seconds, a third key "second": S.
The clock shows {"hour": 12, "minute": 54}
